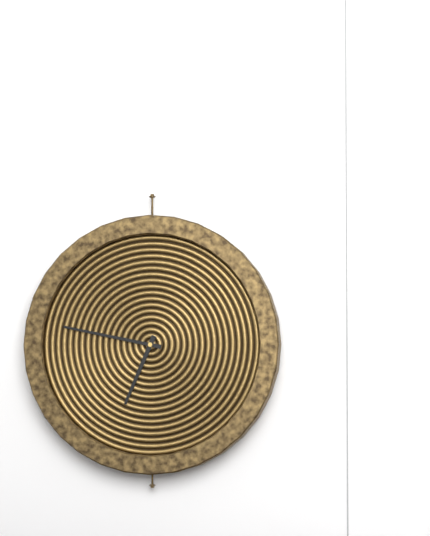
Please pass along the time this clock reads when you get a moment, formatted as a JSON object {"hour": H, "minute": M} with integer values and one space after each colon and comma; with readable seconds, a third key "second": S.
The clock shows {"hour": 6, "minute": 47}
